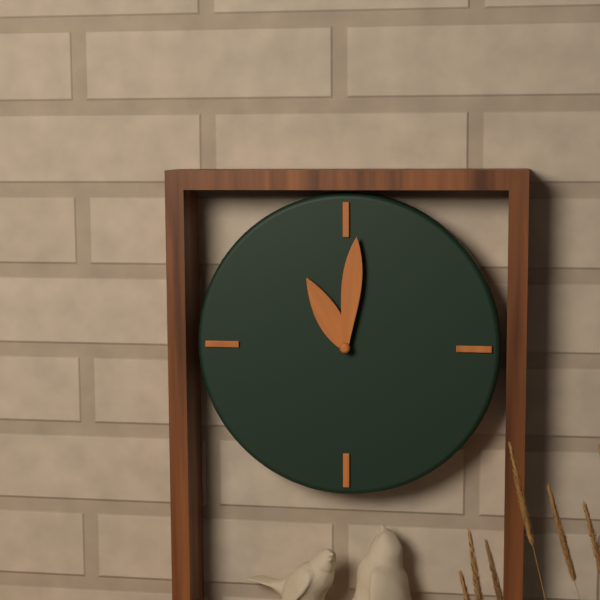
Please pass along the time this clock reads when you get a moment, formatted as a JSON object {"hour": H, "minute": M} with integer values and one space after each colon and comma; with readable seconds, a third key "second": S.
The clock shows {"hour": 11, "minute": 1}
